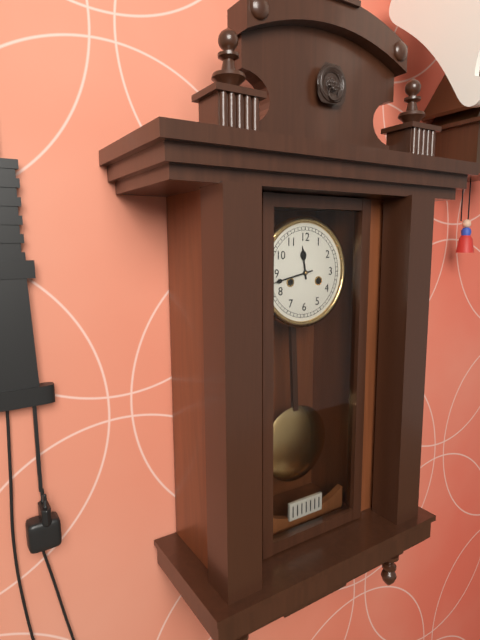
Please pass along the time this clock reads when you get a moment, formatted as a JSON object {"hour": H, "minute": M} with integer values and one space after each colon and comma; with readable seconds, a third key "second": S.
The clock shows {"hour": 11, "minute": 43}
